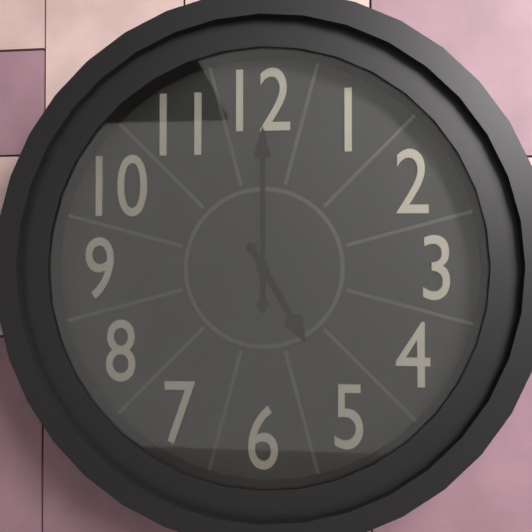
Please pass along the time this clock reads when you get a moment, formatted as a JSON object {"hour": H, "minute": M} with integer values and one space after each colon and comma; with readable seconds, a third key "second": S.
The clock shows {"hour": 5, "minute": 0}
